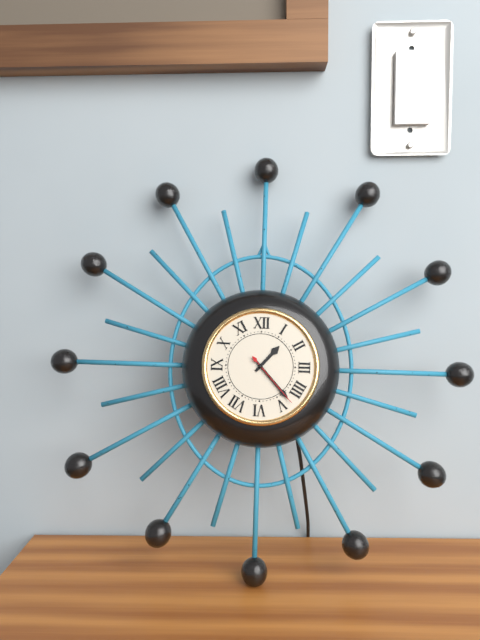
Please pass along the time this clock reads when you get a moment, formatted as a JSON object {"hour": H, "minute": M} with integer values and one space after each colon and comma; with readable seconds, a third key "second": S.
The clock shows {"hour": 1, "minute": 23, "second": 23}
